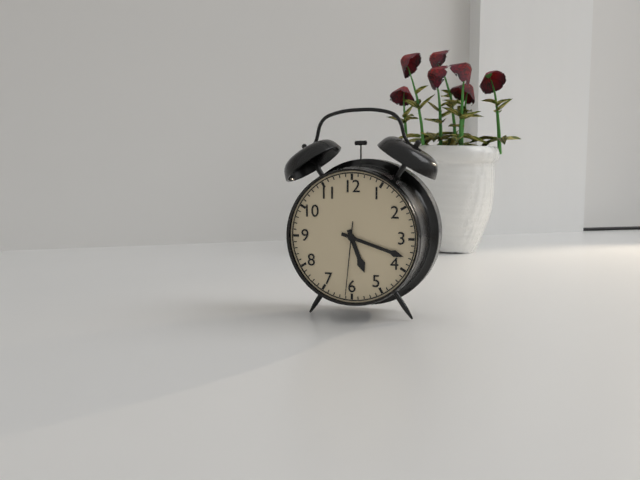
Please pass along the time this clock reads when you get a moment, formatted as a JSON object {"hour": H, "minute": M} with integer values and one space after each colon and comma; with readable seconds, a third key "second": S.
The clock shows {"hour": 5, "minute": 18, "second": 31}
